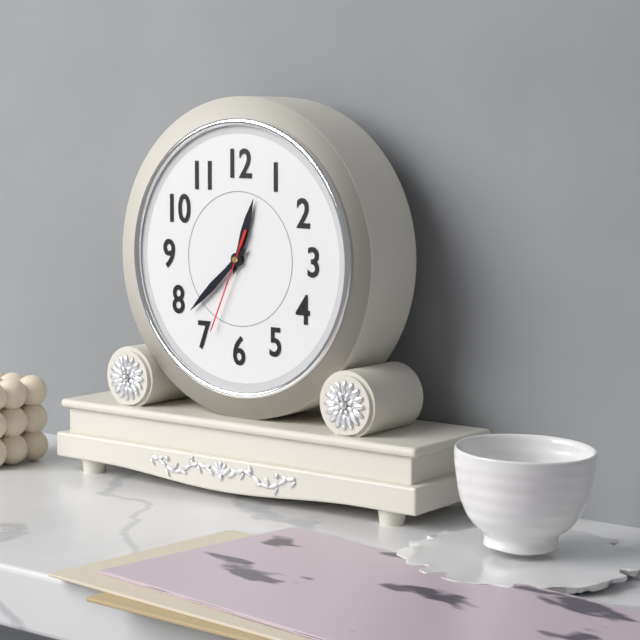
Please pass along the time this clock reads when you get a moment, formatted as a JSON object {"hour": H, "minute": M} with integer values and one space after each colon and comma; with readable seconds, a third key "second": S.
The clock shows {"hour": 12, "minute": 38, "second": 34}
